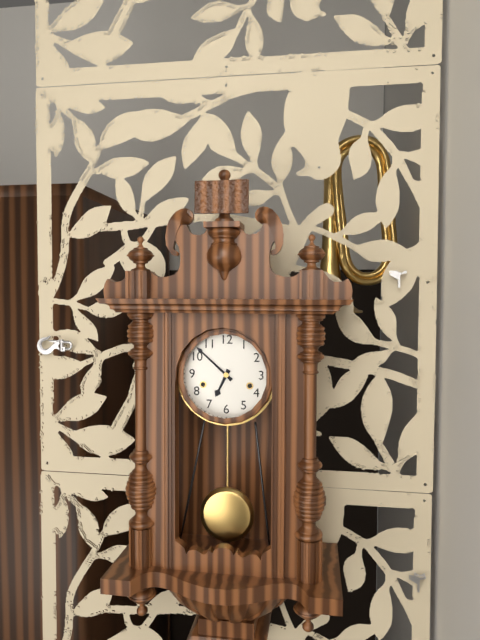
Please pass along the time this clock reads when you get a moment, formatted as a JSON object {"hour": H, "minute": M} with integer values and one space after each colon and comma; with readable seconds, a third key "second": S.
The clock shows {"hour": 6, "minute": 52}
